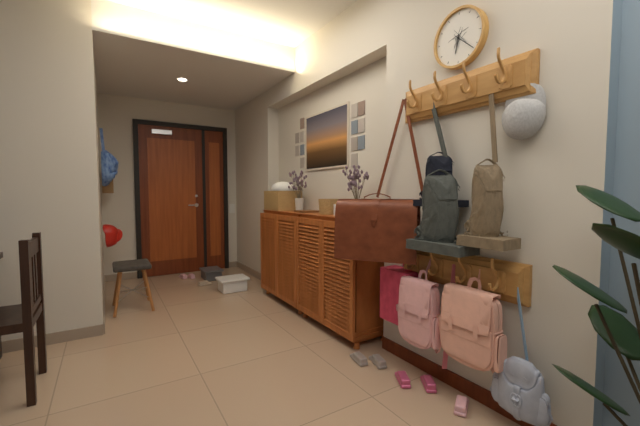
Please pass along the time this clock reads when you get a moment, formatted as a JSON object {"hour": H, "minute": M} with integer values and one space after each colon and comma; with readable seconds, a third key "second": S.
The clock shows {"hour": 6, "minute": 22}
